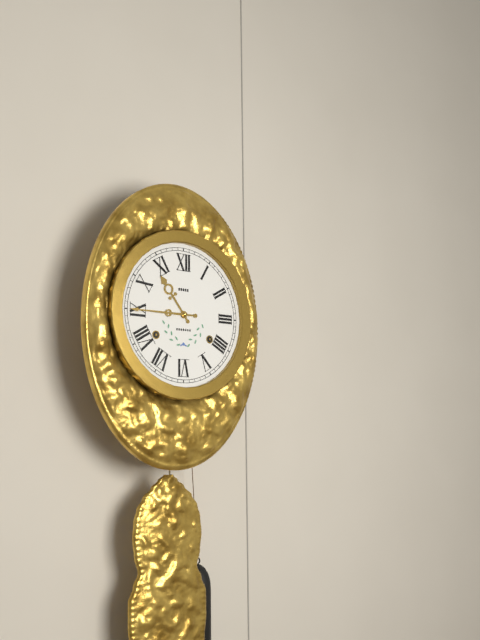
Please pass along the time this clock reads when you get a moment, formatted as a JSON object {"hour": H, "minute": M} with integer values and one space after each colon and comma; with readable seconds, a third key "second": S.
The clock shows {"hour": 10, "minute": 45}
